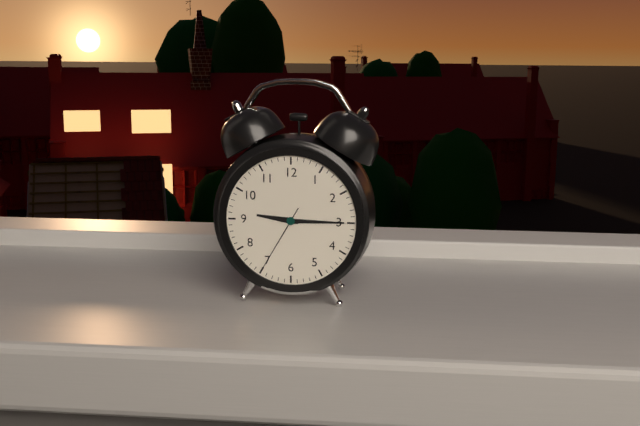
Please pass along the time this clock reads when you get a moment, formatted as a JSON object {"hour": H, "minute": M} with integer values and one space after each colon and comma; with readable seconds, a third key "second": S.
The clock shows {"hour": 9, "minute": 15, "second": 35}
